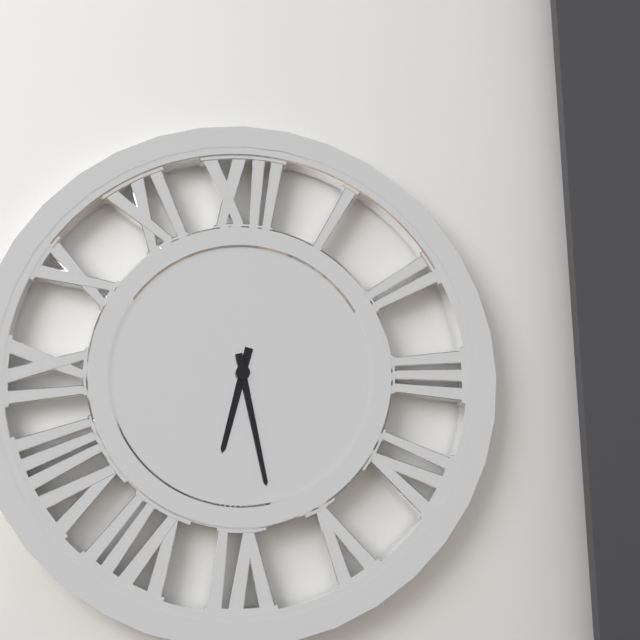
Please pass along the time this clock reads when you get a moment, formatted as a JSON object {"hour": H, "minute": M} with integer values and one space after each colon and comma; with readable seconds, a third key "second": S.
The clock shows {"hour": 6, "minute": 28}
